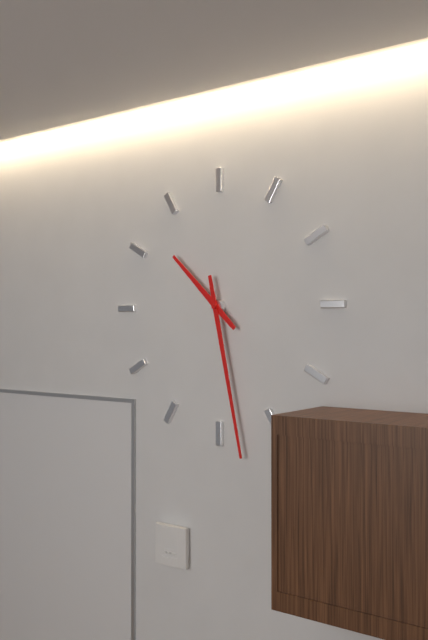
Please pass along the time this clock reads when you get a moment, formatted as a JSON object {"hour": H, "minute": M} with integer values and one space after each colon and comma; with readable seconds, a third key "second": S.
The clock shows {"hour": 10, "minute": 28}
